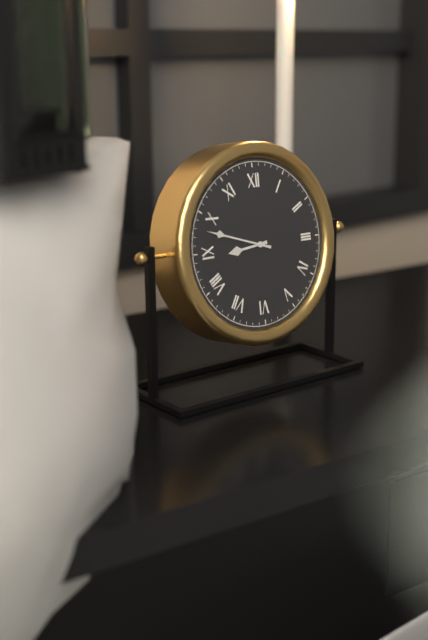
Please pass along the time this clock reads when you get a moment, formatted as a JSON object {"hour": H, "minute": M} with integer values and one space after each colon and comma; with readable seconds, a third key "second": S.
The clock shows {"hour": 8, "minute": 48}
